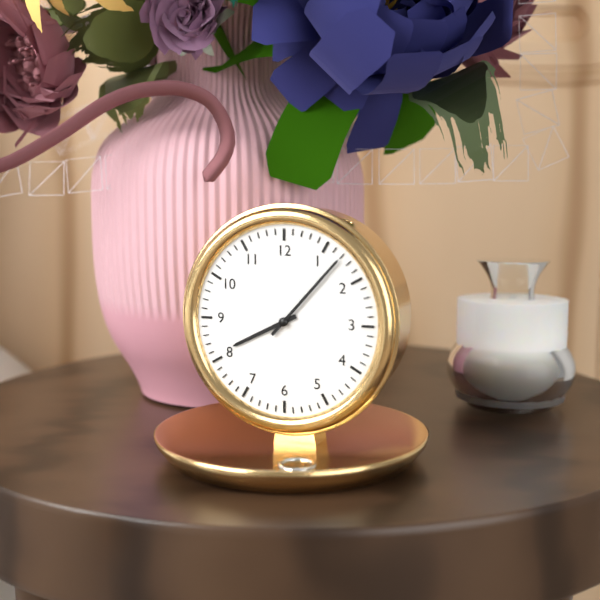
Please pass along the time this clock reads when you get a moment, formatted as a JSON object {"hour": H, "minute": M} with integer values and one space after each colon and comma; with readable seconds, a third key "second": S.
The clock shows {"hour": 8, "minute": 7}
